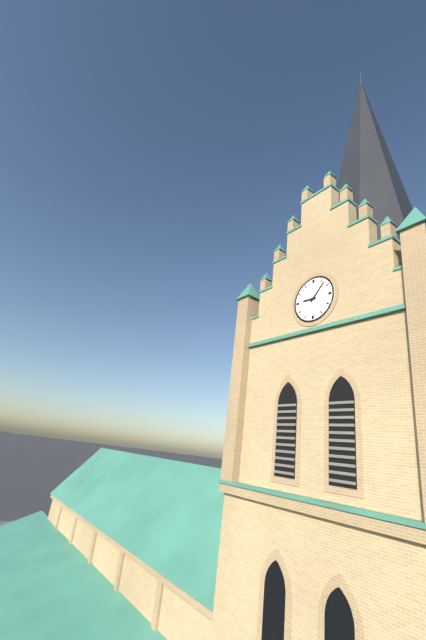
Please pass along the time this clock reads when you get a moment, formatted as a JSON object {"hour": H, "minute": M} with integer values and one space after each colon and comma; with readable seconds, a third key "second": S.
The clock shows {"hour": 9, "minute": 7}
